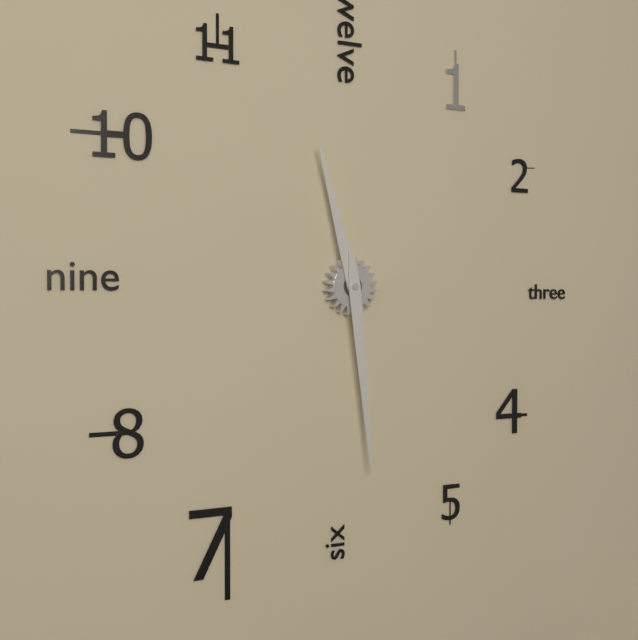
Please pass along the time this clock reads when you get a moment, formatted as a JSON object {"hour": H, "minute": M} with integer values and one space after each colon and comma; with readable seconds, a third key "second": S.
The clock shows {"hour": 11, "minute": 29}
